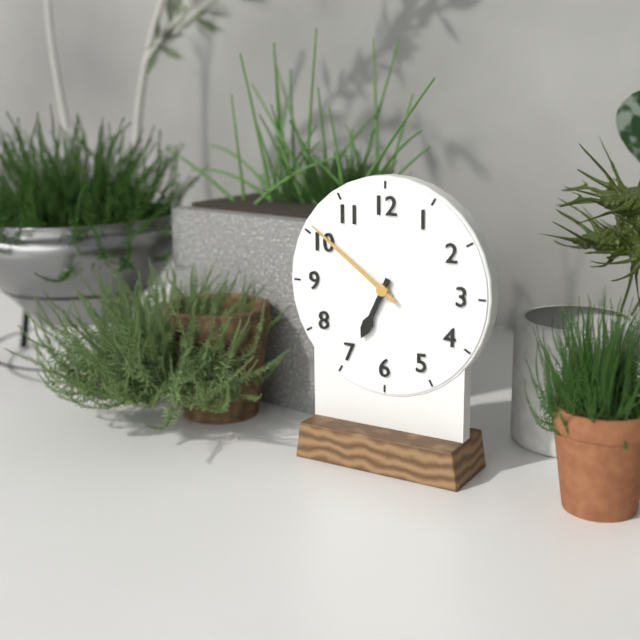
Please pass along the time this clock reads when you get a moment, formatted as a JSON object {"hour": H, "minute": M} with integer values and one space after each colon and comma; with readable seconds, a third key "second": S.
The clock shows {"hour": 6, "minute": 51}
